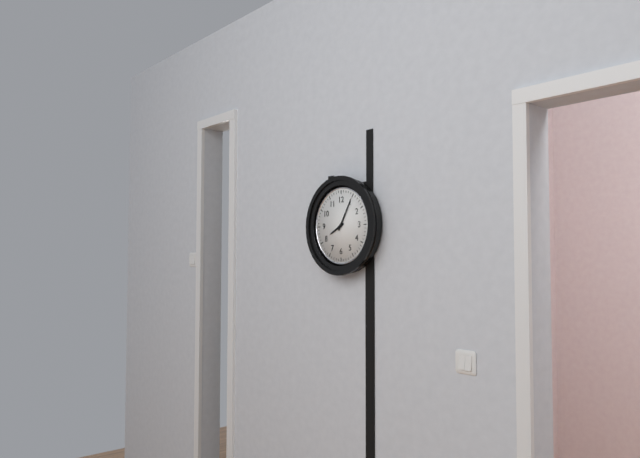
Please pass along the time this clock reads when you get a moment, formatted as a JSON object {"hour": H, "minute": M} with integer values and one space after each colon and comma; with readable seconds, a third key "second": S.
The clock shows {"hour": 8, "minute": 5}
